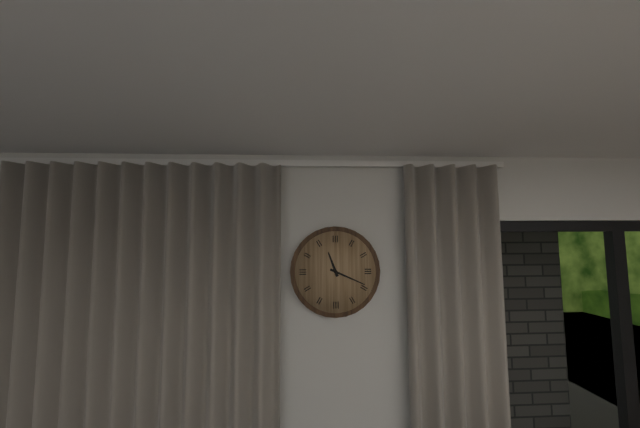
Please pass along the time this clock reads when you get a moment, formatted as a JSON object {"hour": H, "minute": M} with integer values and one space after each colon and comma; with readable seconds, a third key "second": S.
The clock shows {"hour": 11, "minute": 19}
